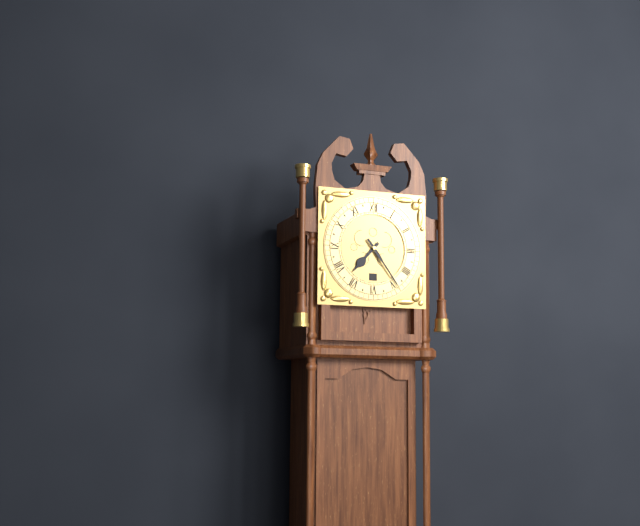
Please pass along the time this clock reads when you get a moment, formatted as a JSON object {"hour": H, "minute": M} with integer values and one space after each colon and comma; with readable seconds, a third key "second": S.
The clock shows {"hour": 7, "minute": 24}
